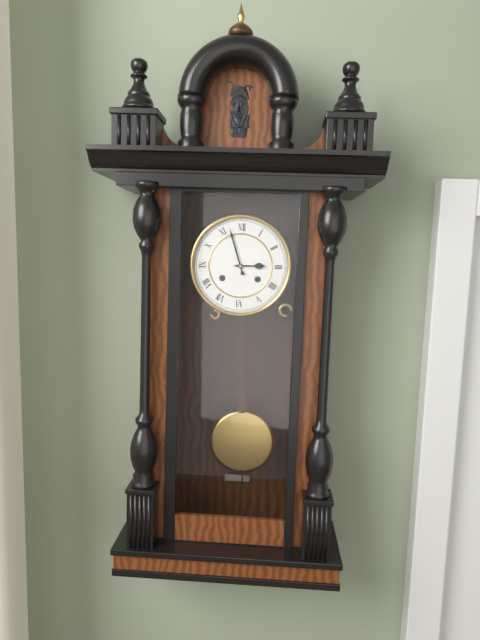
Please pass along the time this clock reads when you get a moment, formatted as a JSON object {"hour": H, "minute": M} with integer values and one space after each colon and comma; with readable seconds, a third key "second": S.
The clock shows {"hour": 2, "minute": 57}
